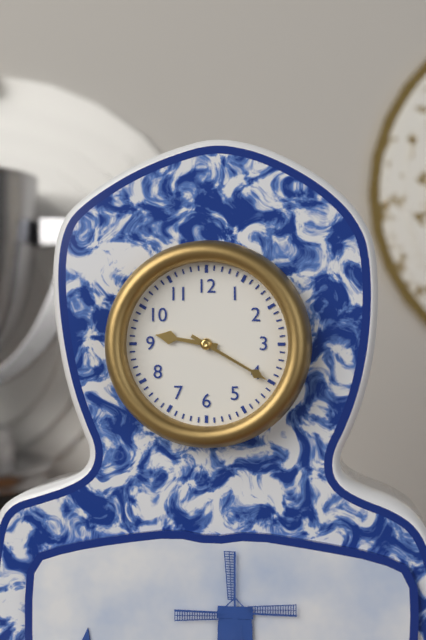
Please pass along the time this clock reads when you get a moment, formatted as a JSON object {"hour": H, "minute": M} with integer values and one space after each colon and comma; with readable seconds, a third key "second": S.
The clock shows {"hour": 9, "minute": 20}
